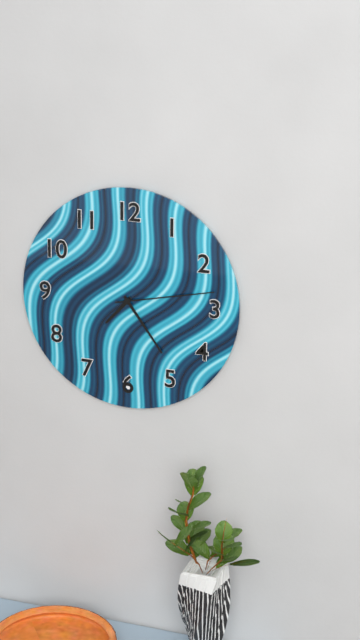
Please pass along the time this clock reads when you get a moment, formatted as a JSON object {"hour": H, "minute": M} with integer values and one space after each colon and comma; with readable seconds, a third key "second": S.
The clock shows {"hour": 7, "minute": 24, "second": 13}
